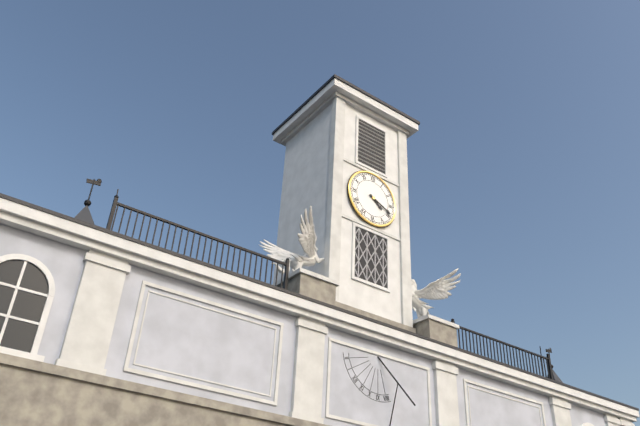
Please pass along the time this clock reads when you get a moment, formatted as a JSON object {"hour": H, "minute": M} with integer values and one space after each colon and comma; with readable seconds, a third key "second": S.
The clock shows {"hour": 4, "minute": 19}
